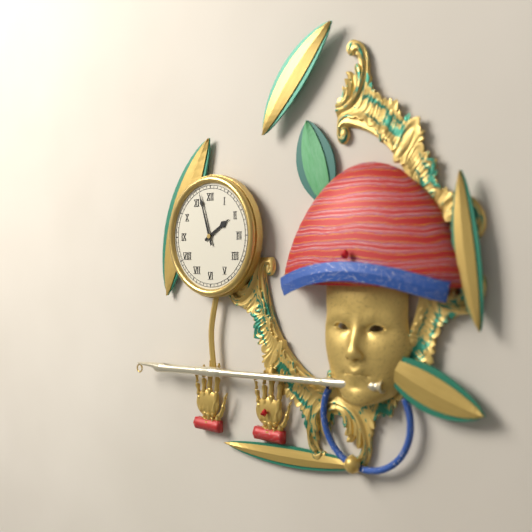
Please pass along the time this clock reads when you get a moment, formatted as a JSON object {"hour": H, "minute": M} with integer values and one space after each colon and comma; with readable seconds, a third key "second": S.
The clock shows {"hour": 1, "minute": 57}
